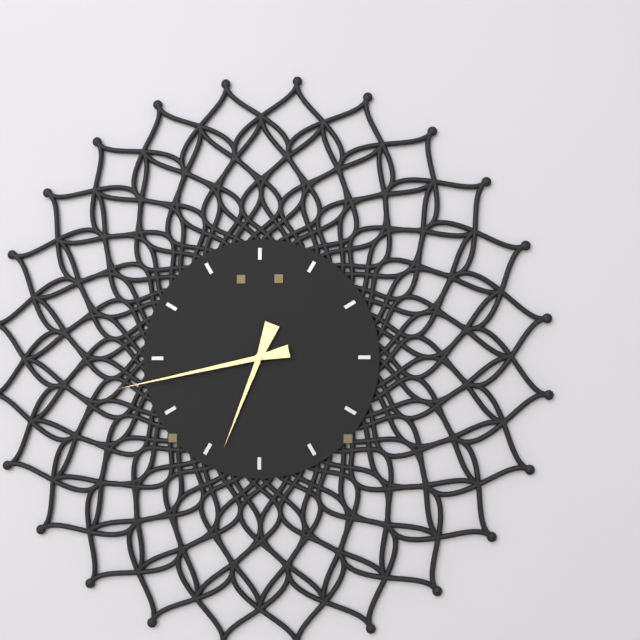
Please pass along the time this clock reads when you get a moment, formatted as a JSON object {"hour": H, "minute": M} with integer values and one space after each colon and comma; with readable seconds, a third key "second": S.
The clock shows {"hour": 6, "minute": 43}
